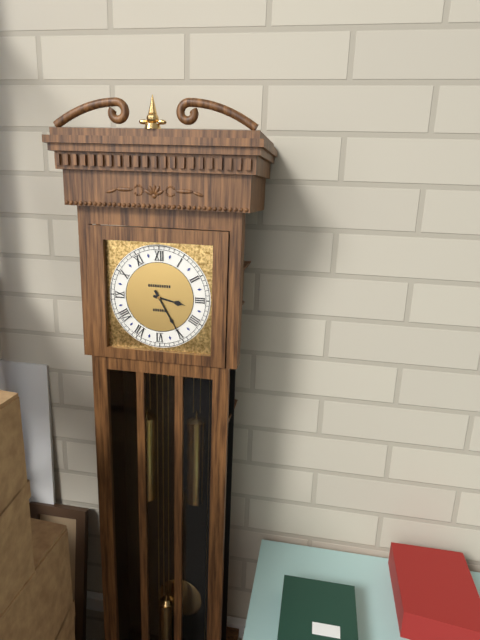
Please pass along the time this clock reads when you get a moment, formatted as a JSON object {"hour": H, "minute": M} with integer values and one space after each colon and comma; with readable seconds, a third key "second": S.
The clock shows {"hour": 3, "minute": 25}
